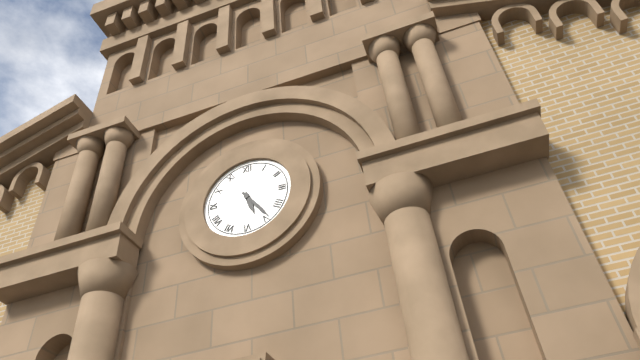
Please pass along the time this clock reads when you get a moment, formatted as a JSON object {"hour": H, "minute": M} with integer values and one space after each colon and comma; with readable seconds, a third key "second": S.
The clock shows {"hour": 5, "minute": 24}
